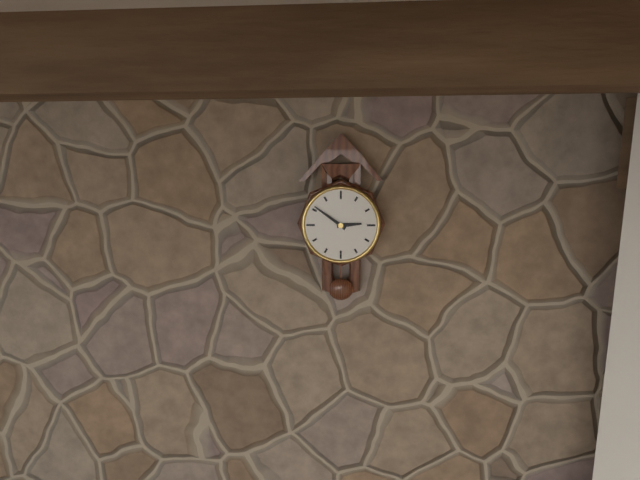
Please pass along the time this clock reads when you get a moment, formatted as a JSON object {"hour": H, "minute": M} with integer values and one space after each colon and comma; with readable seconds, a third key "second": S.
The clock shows {"hour": 2, "minute": 51}
